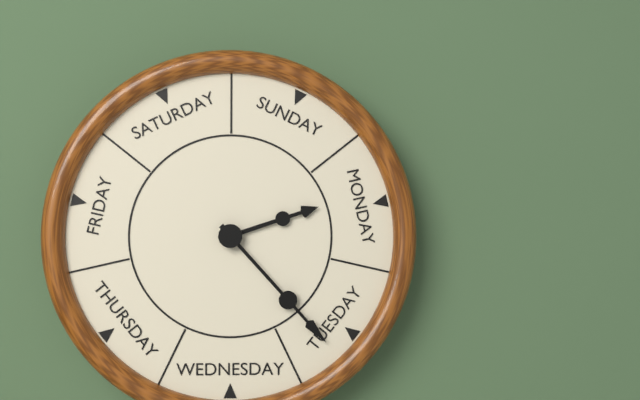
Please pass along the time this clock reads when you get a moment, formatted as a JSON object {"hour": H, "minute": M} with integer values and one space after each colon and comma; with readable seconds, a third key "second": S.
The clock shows {"hour": 2, "minute": 23}
